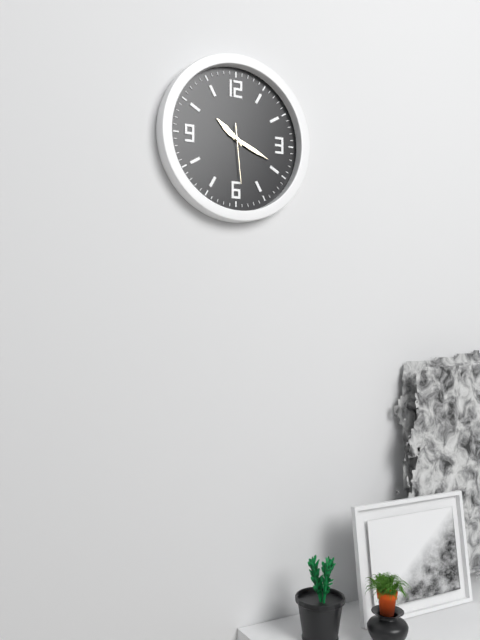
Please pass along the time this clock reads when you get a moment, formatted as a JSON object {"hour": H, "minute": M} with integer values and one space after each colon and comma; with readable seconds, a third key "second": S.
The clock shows {"hour": 10, "minute": 19, "second": 29}
